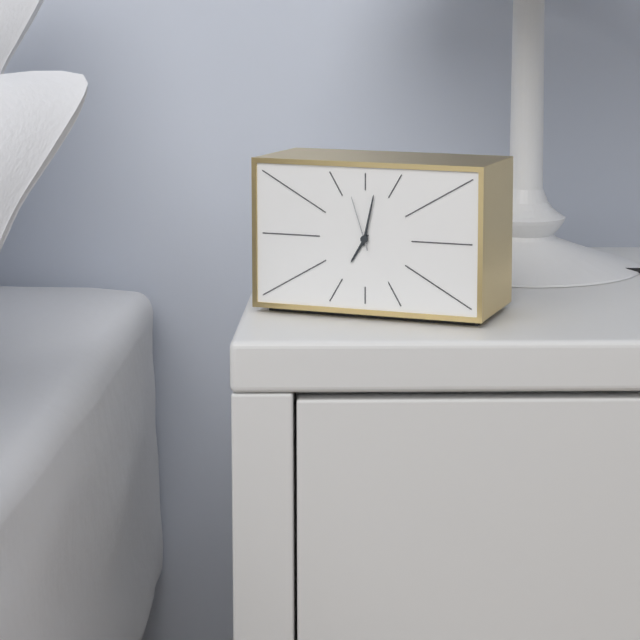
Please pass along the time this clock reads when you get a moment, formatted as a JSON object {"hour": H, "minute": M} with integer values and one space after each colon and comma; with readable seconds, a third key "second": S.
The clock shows {"hour": 7, "minute": 2, "second": 57}
